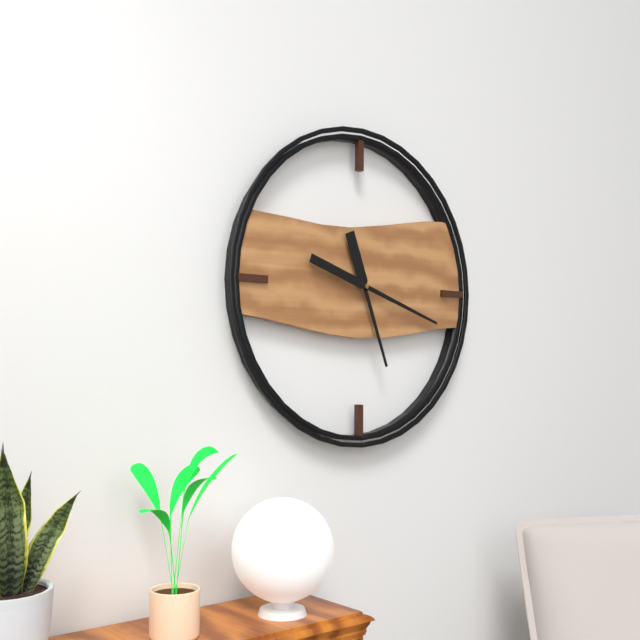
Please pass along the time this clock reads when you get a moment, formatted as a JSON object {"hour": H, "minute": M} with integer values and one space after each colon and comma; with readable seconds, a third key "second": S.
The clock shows {"hour": 5, "minute": 18}
